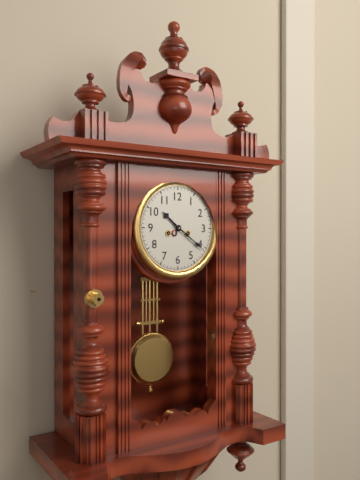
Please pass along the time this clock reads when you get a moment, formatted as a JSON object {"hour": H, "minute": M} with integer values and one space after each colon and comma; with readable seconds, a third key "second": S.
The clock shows {"hour": 10, "minute": 21}
